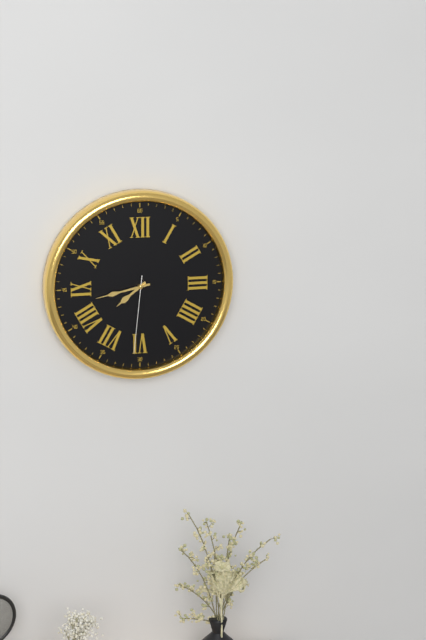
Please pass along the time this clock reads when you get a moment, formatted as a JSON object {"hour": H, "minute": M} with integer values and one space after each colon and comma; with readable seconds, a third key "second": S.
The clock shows {"hour": 7, "minute": 43, "second": 31}
